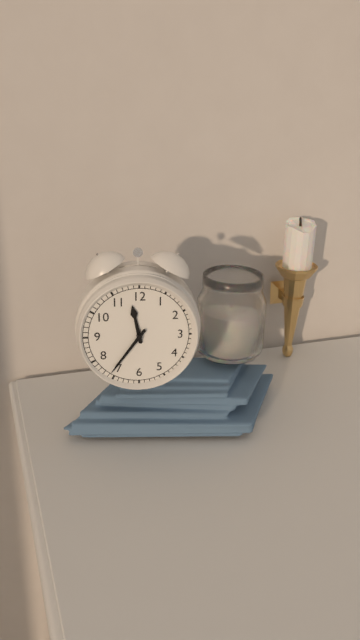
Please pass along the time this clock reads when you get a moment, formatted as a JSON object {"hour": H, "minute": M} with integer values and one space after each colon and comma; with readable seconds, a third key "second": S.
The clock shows {"hour": 11, "minute": 36}
